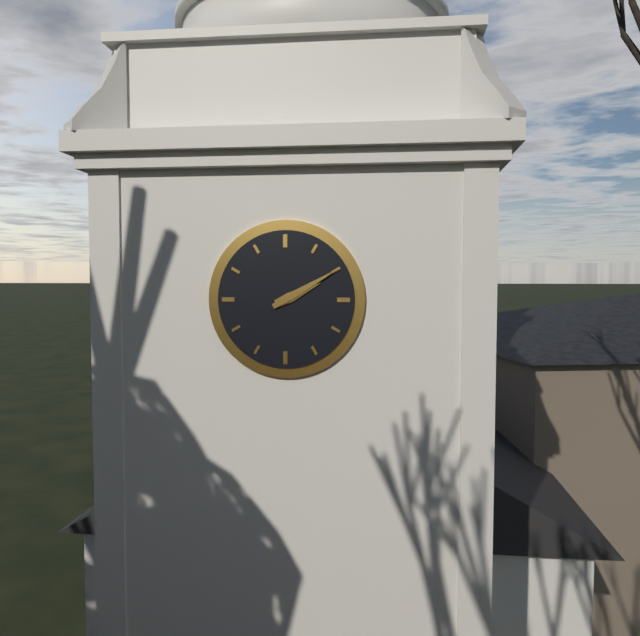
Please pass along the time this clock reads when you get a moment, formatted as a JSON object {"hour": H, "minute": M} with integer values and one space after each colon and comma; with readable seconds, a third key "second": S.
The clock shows {"hour": 2, "minute": 10}
